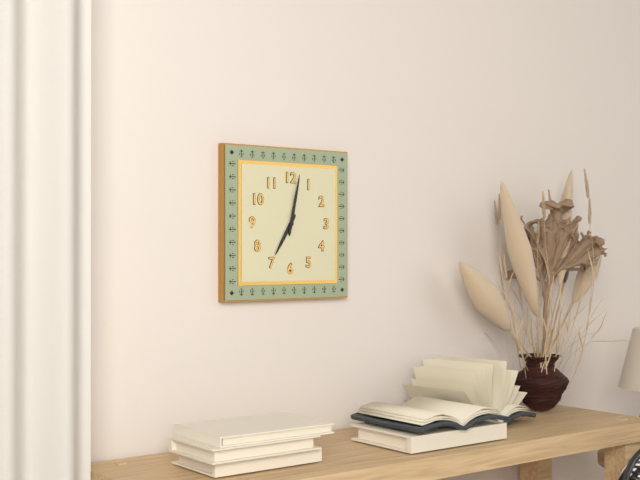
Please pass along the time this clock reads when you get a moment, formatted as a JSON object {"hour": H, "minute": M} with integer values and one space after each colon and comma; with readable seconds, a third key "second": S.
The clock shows {"hour": 7, "minute": 2}
